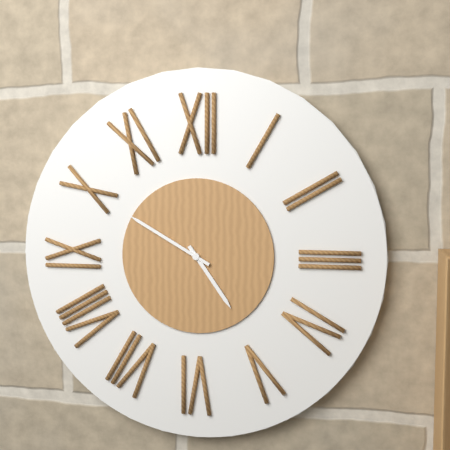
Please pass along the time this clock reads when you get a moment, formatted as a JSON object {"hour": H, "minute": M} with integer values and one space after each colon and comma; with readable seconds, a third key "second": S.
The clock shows {"hour": 4, "minute": 50}
